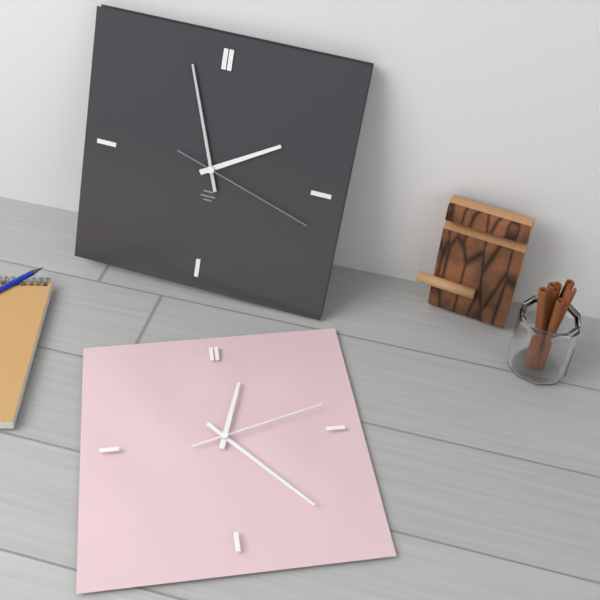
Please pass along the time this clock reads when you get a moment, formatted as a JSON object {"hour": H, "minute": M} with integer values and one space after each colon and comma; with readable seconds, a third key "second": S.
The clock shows {"hour": 1, "minute": 57, "second": 18}
